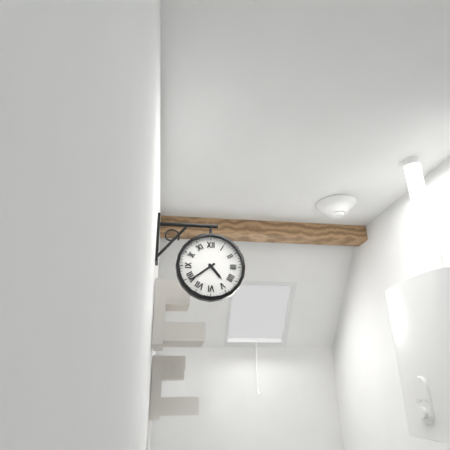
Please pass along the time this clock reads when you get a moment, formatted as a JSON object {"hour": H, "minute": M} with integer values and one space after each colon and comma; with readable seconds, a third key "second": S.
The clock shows {"hour": 4, "minute": 39}
